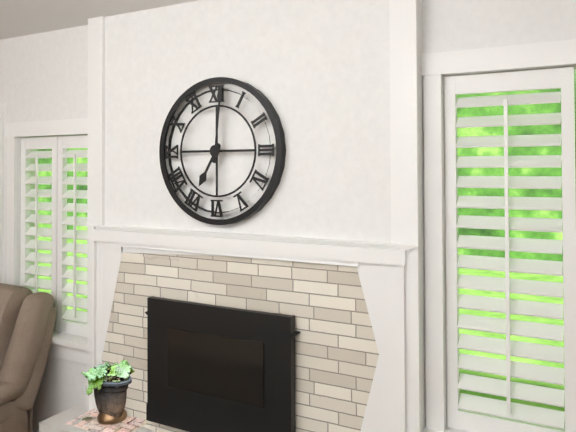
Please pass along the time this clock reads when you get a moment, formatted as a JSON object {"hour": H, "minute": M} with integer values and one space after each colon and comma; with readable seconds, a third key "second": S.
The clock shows {"hour": 7, "minute": 1}
